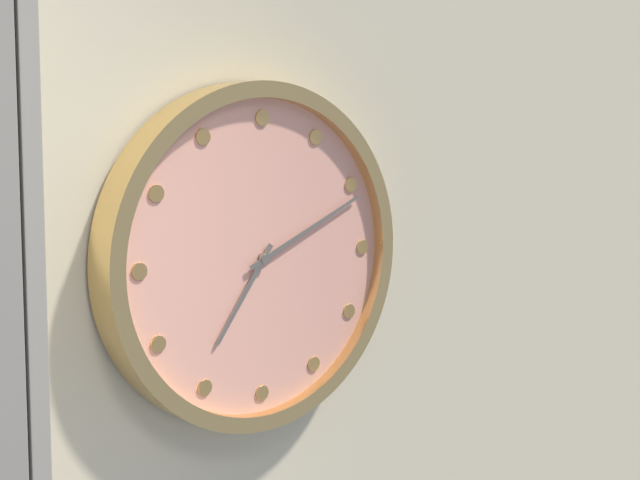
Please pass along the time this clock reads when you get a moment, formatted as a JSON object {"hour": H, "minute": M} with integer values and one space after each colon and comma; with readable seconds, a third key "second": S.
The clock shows {"hour": 7, "minute": 11}
